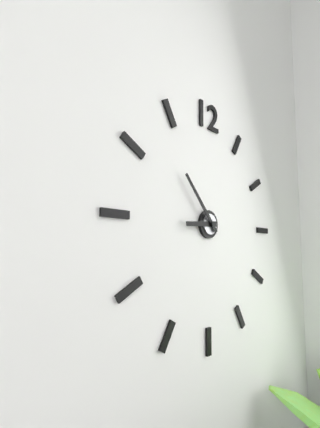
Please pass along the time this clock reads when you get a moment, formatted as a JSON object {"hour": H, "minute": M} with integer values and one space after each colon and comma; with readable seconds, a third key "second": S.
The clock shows {"hour": 8, "minute": 53}
